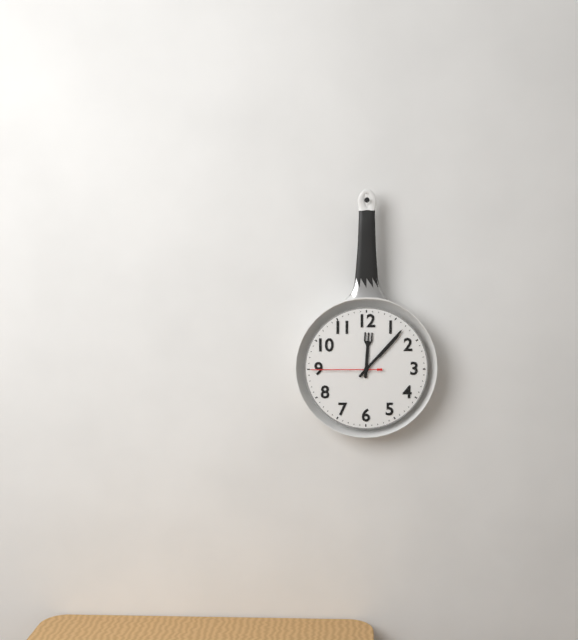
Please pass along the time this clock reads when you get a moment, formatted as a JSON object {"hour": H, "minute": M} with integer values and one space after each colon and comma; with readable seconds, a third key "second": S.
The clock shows {"hour": 12, "minute": 7, "second": 45}
